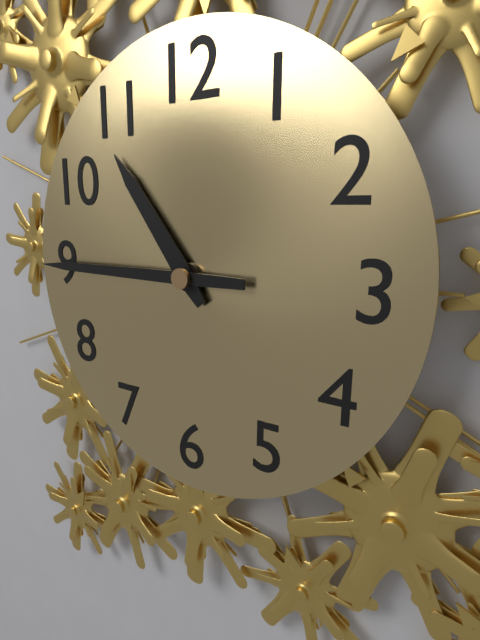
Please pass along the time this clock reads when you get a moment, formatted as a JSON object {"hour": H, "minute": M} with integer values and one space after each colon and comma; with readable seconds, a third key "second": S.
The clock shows {"hour": 10, "minute": 45}
